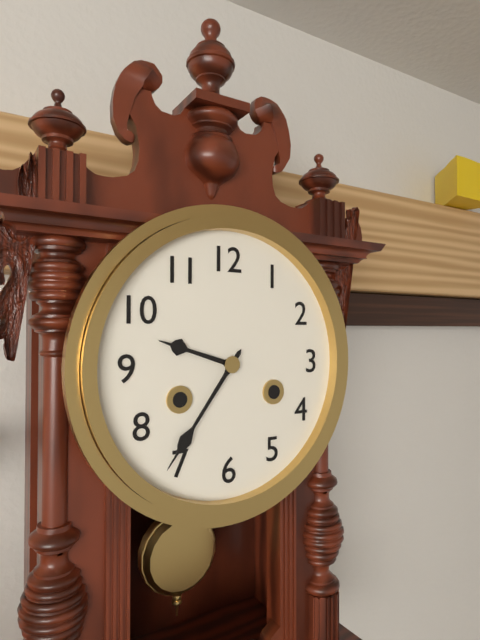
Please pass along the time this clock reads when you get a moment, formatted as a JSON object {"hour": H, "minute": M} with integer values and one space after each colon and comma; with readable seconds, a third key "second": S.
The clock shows {"hour": 9, "minute": 36}
